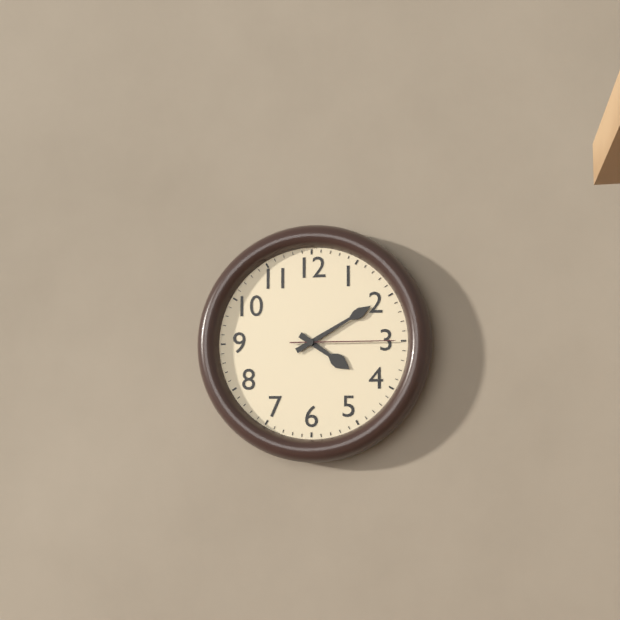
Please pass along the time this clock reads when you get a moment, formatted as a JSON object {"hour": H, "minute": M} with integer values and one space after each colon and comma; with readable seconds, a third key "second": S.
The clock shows {"hour": 4, "minute": 10, "second": 15}
